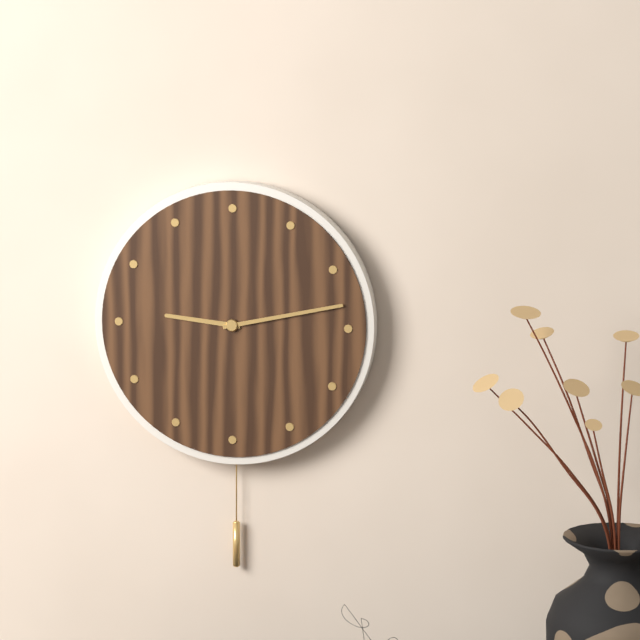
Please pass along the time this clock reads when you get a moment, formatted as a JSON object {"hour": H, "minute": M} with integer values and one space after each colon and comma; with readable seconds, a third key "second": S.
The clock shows {"hour": 9, "minute": 13}
